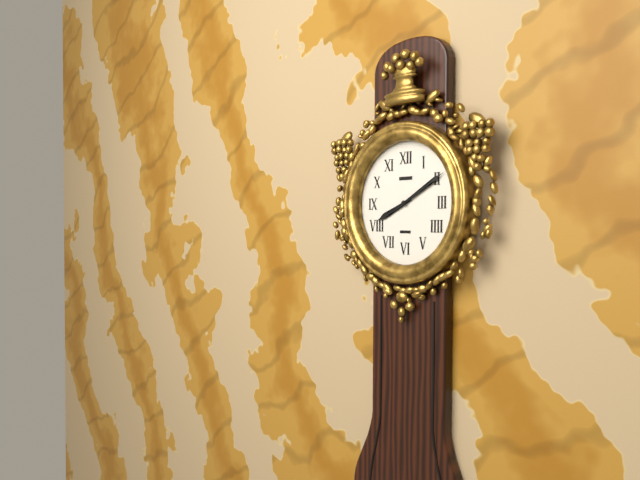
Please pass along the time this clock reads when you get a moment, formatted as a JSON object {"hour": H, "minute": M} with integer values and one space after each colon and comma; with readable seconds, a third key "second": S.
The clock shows {"hour": 8, "minute": 10}
